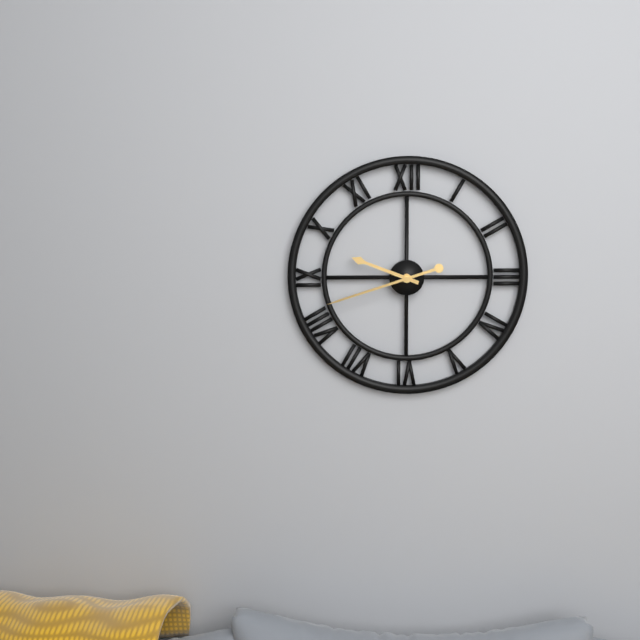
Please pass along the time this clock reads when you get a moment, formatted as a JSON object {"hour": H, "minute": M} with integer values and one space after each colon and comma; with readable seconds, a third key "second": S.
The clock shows {"hour": 9, "minute": 42}
